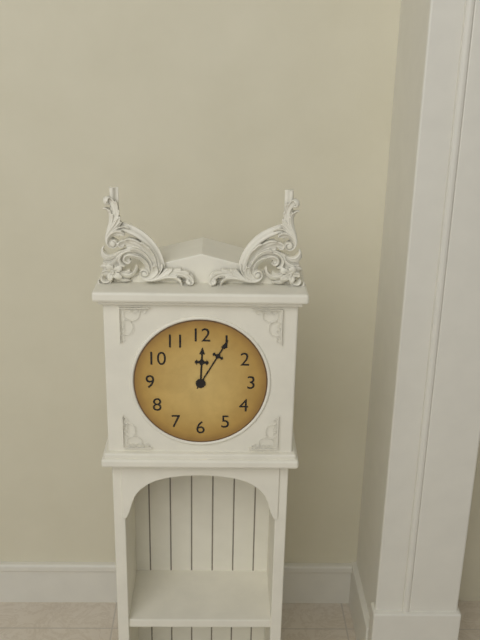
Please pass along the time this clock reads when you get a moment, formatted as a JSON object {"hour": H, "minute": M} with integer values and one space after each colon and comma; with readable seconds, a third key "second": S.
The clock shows {"hour": 12, "minute": 5}
